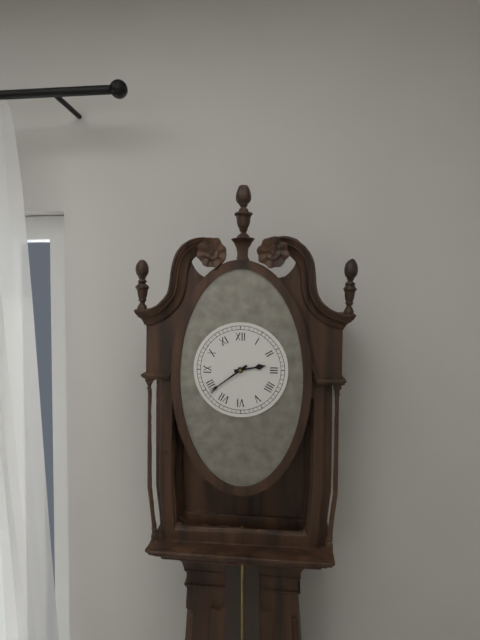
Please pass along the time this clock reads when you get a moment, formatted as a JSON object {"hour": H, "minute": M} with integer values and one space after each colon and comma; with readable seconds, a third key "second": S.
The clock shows {"hour": 2, "minute": 39}
